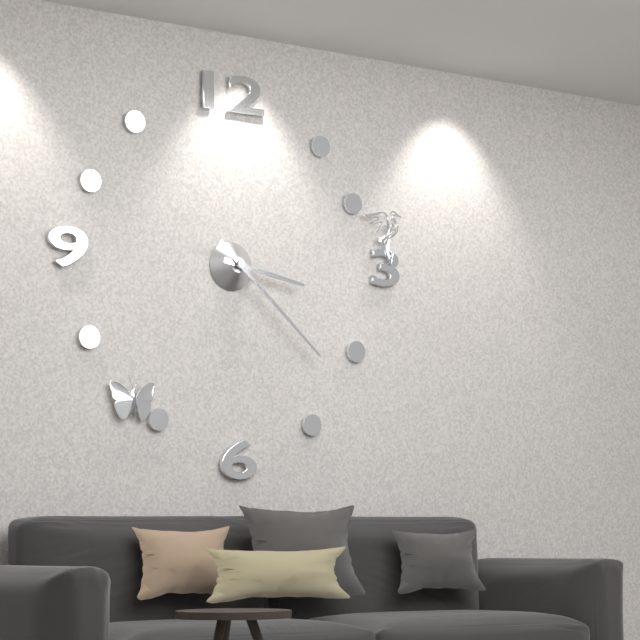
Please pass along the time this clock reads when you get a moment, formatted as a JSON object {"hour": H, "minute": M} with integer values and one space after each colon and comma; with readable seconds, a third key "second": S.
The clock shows {"hour": 3, "minute": 22}
